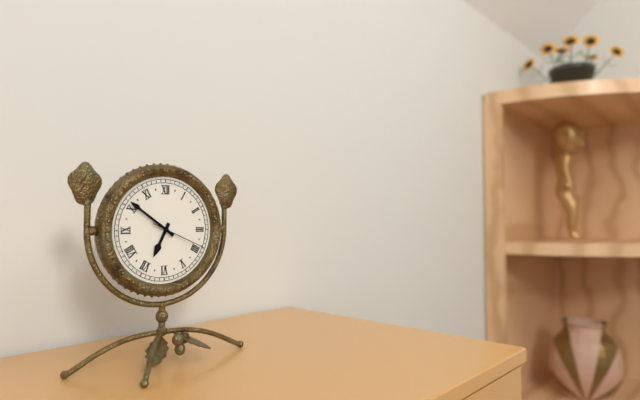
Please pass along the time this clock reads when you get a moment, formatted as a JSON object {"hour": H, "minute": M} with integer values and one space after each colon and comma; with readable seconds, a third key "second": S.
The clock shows {"hour": 6, "minute": 51, "second": 19}
